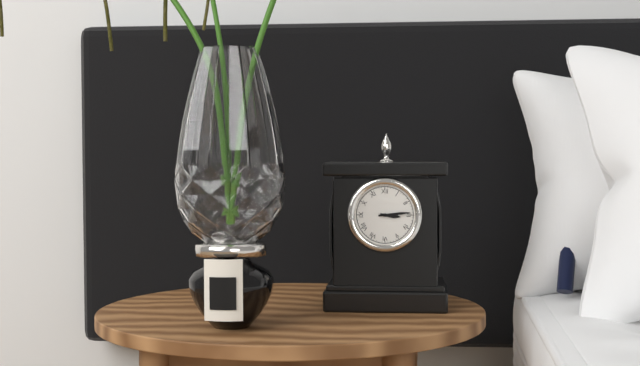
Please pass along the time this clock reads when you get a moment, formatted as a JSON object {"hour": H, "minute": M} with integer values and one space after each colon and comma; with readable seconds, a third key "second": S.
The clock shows {"hour": 3, "minute": 14}
